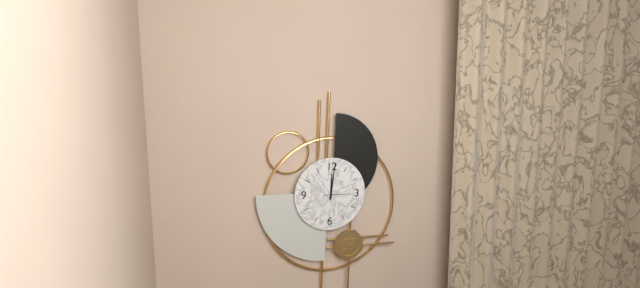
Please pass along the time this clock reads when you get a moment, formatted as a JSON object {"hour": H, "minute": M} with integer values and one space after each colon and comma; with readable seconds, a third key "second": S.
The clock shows {"hour": 12, "minute": 1}
